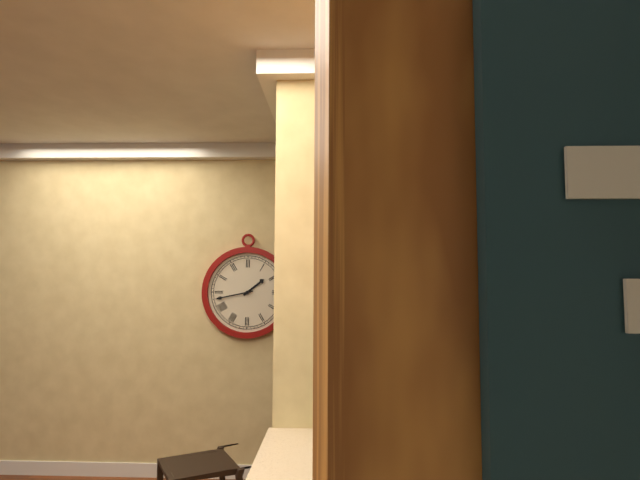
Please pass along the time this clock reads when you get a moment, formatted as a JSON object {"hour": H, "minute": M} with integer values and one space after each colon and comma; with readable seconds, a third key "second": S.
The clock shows {"hour": 1, "minute": 43}
